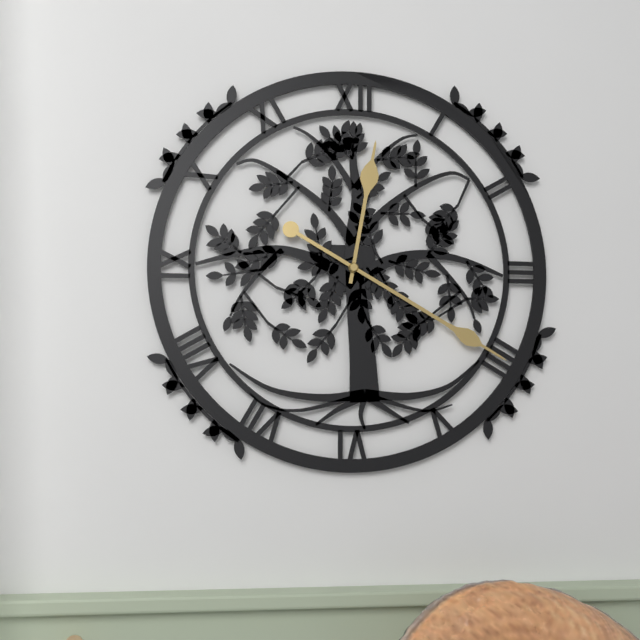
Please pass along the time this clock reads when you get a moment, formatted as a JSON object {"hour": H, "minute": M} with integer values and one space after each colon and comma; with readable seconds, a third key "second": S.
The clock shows {"hour": 12, "minute": 20}
